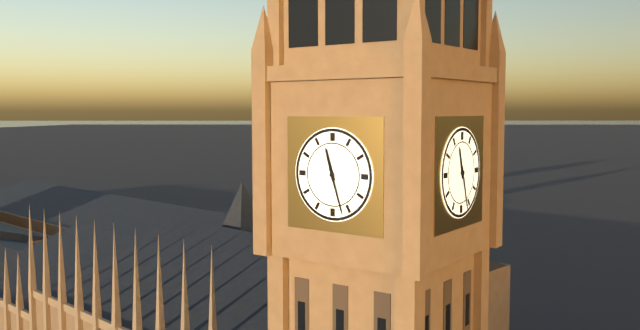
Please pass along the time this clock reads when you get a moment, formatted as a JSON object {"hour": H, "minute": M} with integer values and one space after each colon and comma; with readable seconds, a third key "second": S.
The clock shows {"hour": 11, "minute": 27}
